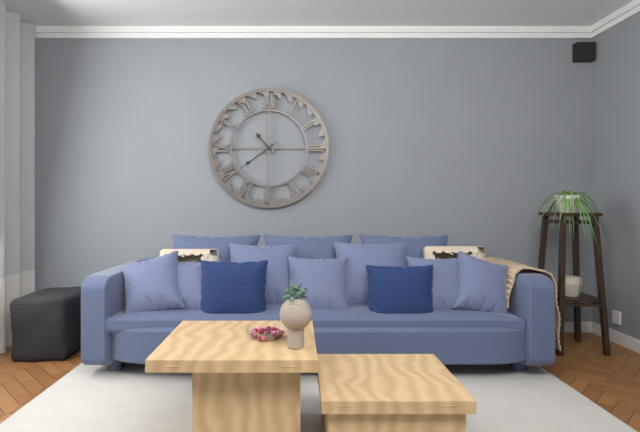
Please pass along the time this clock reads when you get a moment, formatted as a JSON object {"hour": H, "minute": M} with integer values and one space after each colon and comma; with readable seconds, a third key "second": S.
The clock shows {"hour": 10, "minute": 39}
